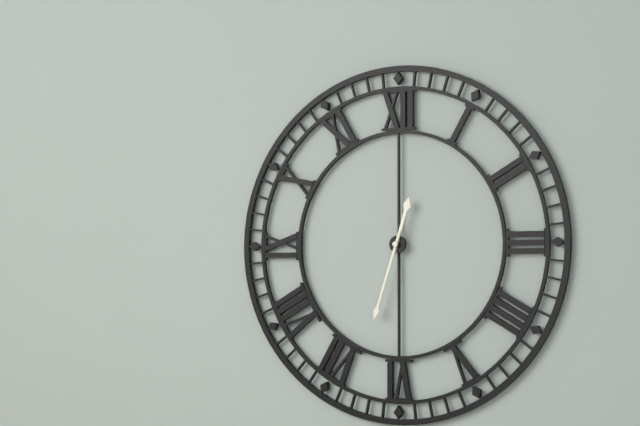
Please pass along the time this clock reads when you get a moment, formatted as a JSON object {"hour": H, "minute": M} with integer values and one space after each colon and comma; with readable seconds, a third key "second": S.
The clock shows {"hour": 12, "minute": 33}
